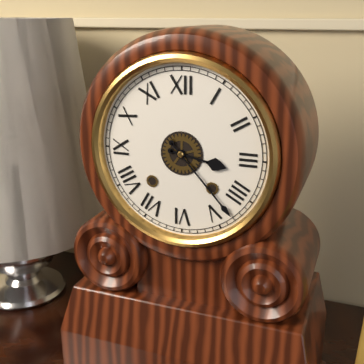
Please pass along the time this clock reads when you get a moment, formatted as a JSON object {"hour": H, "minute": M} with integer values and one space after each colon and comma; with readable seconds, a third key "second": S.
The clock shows {"hour": 3, "minute": 23}
